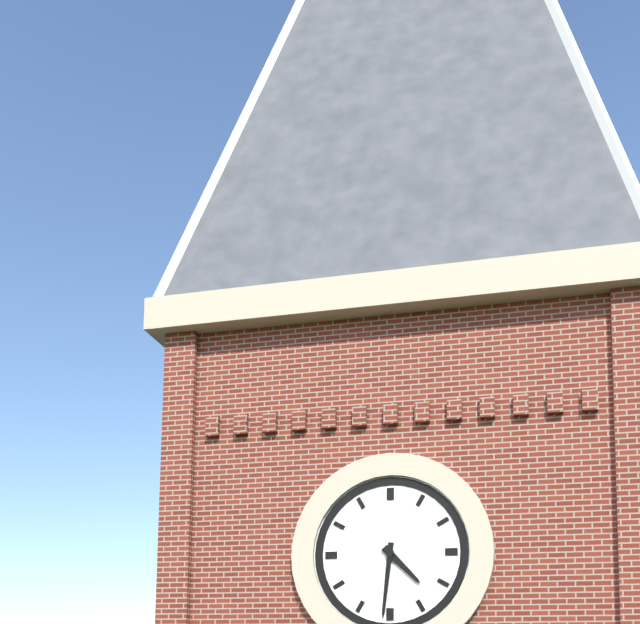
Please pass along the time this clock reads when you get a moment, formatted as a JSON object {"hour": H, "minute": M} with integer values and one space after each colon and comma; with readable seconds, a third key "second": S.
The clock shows {"hour": 4, "minute": 31}
